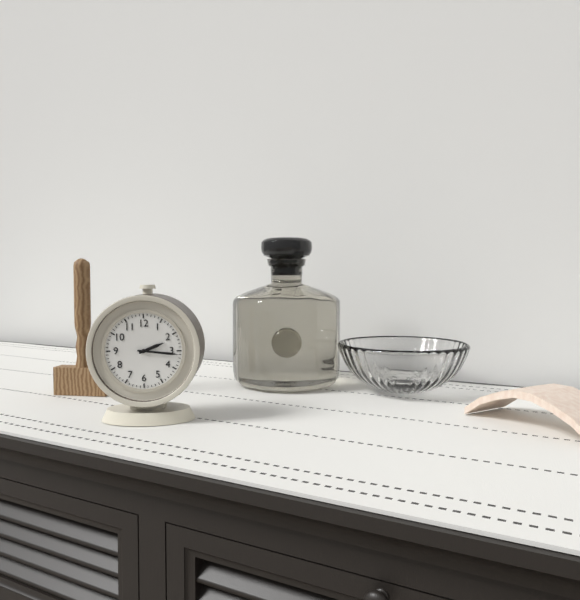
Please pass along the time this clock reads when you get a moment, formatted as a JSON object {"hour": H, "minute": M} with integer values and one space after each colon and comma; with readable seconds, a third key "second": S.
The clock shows {"hour": 2, "minute": 16}
